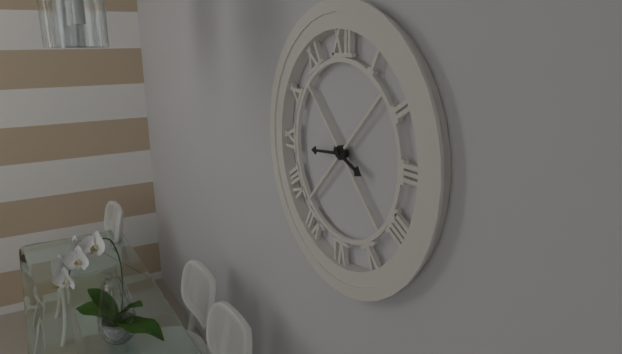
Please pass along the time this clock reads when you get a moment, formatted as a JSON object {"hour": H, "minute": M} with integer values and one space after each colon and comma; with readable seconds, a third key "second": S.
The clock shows {"hour": 3, "minute": 44}
